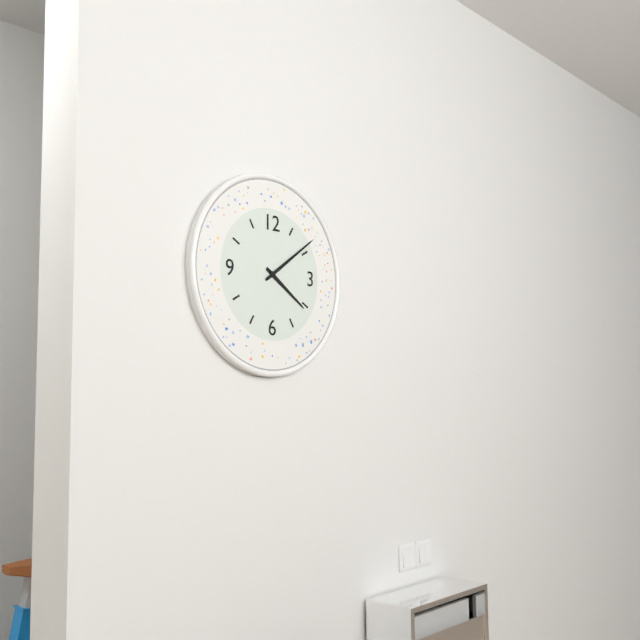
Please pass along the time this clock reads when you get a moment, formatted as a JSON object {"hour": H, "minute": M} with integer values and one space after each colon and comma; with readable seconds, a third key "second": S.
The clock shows {"hour": 4, "minute": 9}
